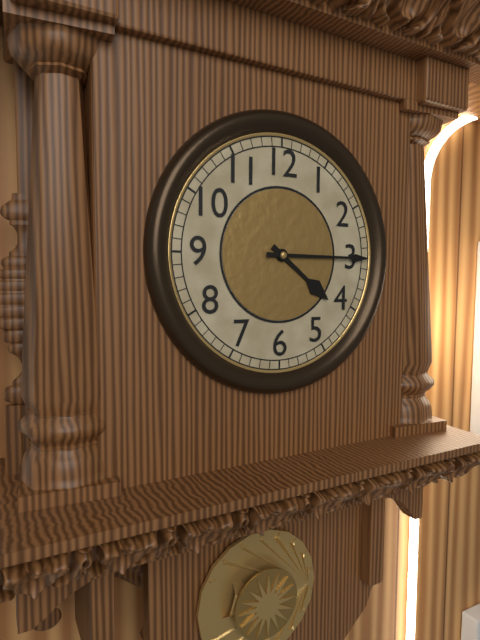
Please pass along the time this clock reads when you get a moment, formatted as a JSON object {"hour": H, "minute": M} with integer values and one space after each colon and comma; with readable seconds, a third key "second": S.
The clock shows {"hour": 4, "minute": 15}
